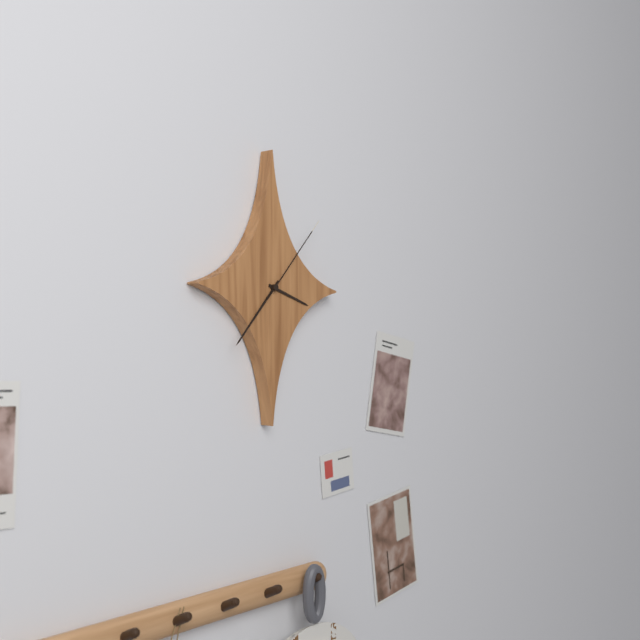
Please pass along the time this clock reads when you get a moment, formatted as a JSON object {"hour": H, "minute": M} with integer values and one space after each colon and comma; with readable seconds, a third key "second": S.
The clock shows {"hour": 3, "minute": 37, "second": 7}
